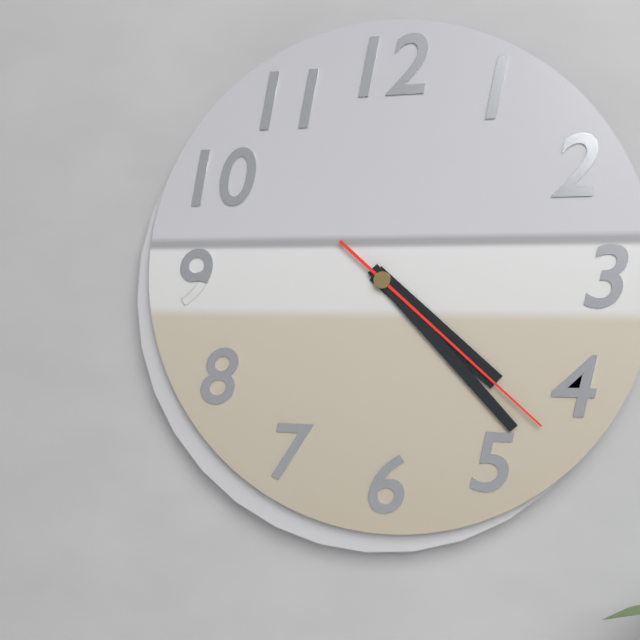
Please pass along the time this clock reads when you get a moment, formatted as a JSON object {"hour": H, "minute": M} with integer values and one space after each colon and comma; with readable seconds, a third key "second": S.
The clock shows {"hour": 4, "minute": 23, "second": 22}
